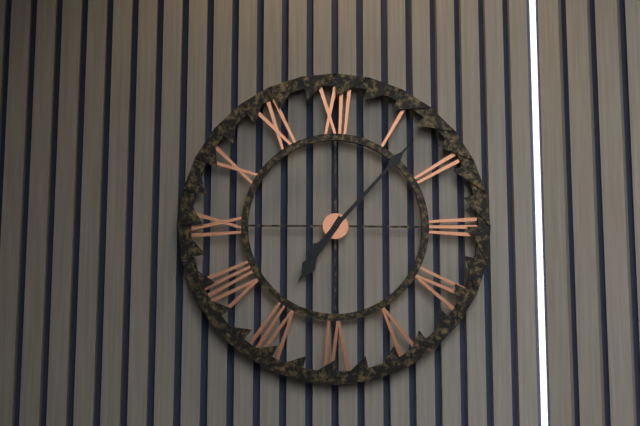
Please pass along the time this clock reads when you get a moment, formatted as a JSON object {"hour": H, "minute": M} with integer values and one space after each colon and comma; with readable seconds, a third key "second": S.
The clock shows {"hour": 7, "minute": 7}
